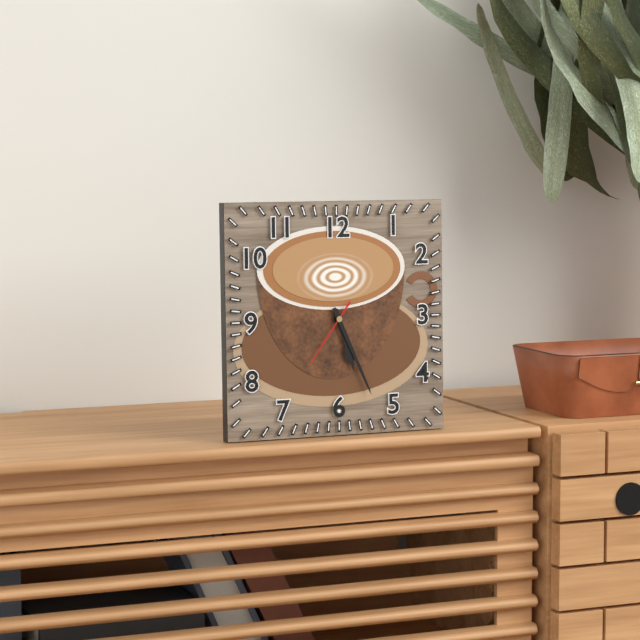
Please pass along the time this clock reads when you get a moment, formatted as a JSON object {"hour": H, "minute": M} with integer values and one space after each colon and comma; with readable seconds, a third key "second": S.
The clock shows {"hour": 5, "minute": 26, "second": 36}
